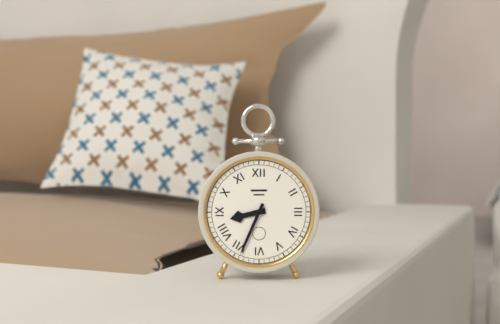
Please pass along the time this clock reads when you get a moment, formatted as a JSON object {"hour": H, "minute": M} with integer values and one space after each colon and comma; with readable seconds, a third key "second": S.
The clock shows {"hour": 8, "minute": 34}
